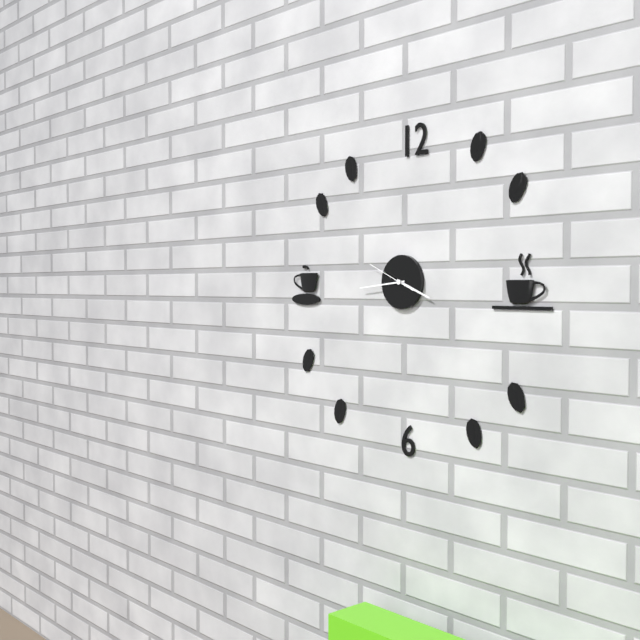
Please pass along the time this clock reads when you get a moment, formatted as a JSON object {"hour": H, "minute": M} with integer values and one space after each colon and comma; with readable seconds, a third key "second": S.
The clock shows {"hour": 3, "minute": 44}
